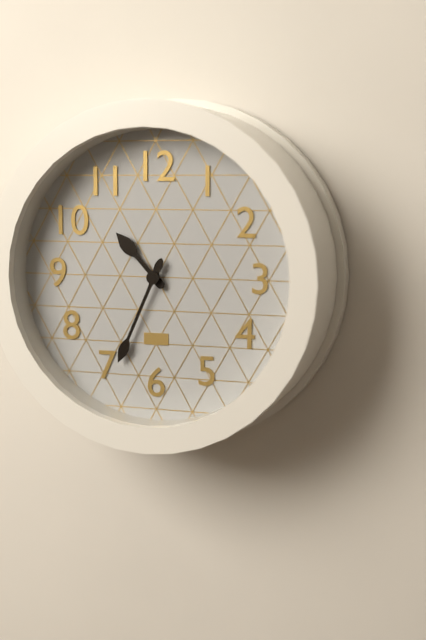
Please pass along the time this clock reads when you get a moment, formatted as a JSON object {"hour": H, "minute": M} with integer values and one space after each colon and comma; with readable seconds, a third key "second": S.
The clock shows {"hour": 10, "minute": 34}
